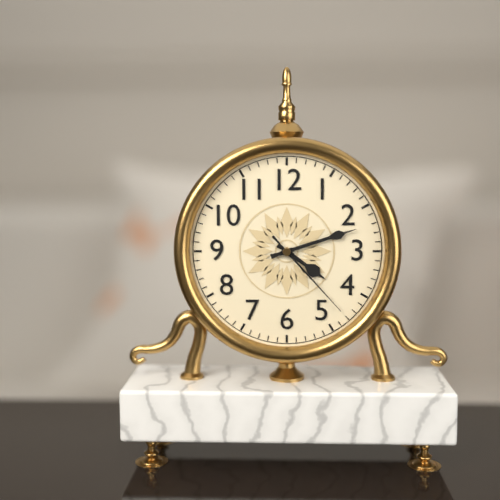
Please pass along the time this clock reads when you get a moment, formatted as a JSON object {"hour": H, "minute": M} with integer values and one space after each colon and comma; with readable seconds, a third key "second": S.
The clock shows {"hour": 4, "minute": 12, "second": 23}
